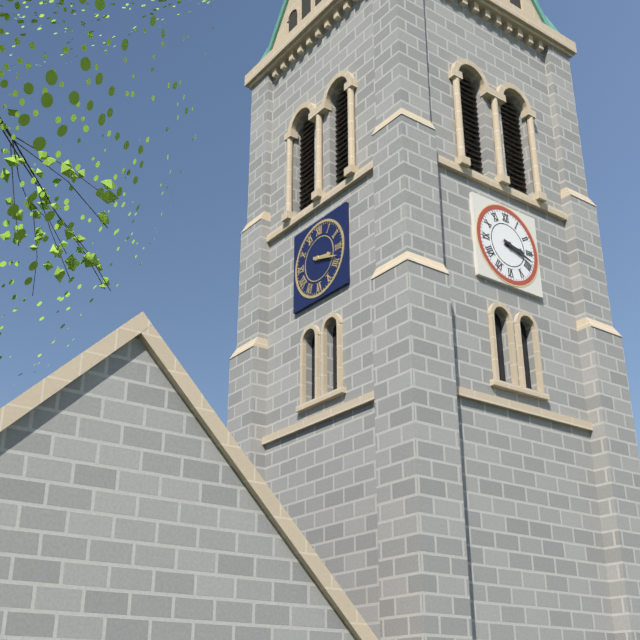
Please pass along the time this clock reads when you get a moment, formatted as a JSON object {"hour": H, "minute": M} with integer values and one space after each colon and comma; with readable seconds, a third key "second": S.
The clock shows {"hour": 3, "minute": 18}
